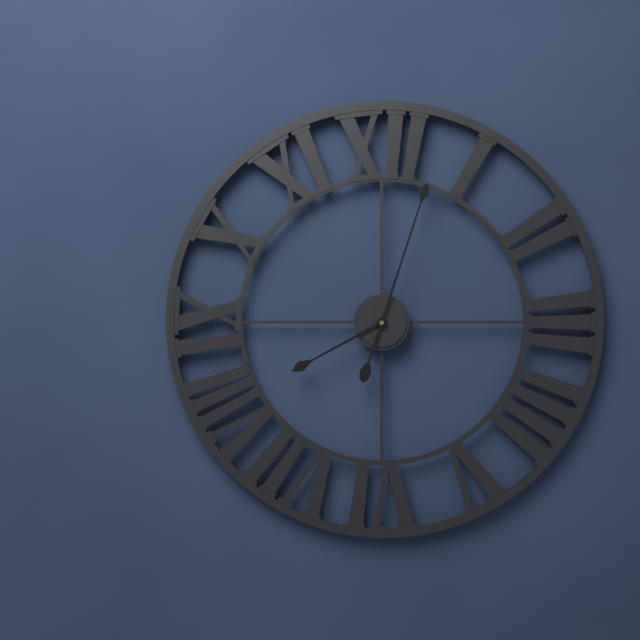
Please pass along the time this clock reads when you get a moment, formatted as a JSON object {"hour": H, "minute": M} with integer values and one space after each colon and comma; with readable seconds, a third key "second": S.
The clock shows {"hour": 8, "minute": 3}
